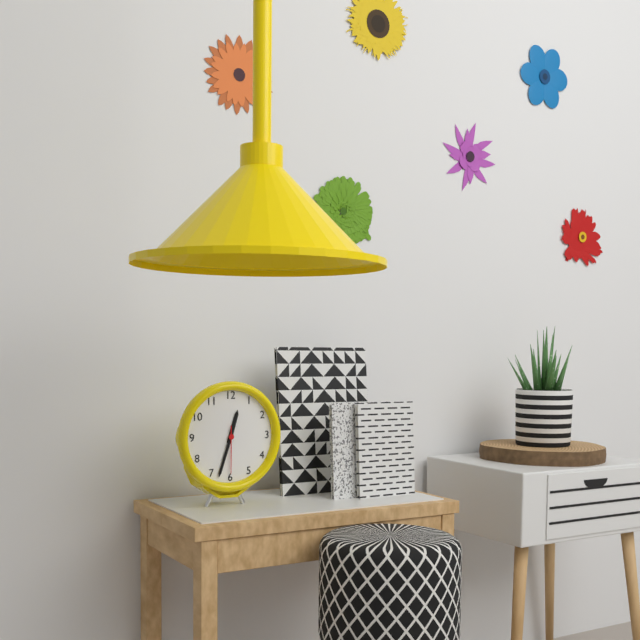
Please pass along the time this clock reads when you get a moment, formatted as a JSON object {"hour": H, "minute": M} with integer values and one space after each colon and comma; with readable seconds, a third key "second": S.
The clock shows {"hour": 12, "minute": 33}
